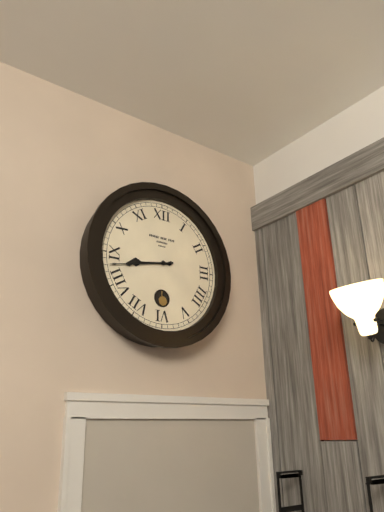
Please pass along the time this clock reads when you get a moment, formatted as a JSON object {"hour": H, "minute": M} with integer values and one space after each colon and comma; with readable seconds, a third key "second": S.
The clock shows {"hour": 8, "minute": 43}
